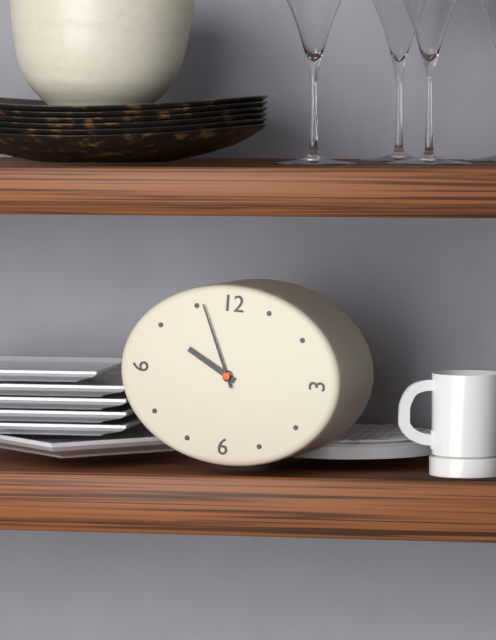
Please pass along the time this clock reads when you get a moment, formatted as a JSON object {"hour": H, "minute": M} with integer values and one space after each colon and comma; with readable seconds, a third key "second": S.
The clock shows {"hour": 9, "minute": 56}
